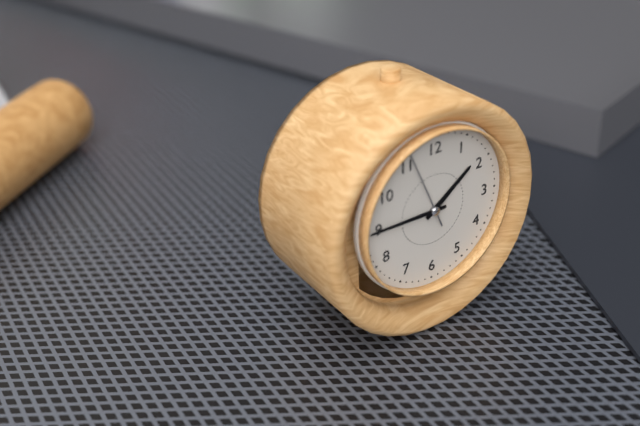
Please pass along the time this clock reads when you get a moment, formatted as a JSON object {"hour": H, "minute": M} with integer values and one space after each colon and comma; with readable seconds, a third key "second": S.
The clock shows {"hour": 1, "minute": 45}
